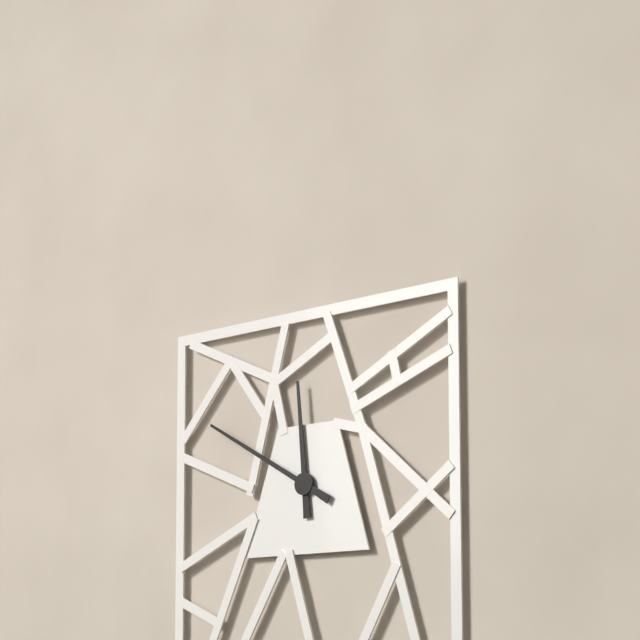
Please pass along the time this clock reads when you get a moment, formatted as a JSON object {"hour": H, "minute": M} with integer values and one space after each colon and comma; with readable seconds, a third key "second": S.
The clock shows {"hour": 11, "minute": 50}
